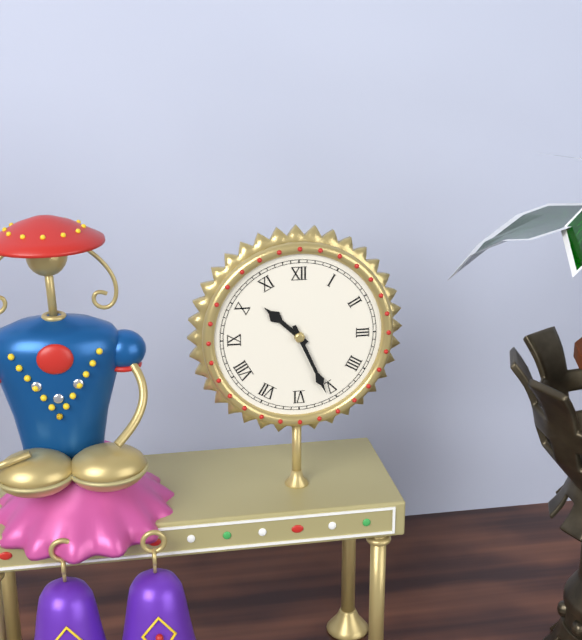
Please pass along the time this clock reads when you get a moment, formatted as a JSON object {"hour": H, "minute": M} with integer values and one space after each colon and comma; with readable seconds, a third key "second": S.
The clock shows {"hour": 10, "minute": 26}
